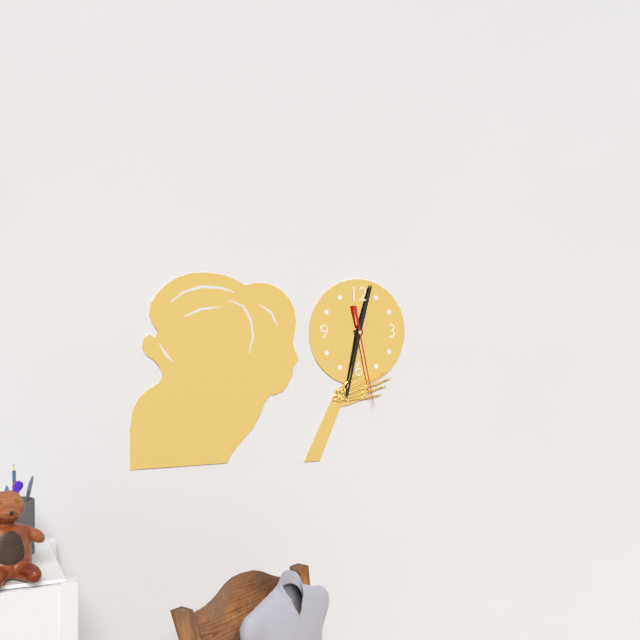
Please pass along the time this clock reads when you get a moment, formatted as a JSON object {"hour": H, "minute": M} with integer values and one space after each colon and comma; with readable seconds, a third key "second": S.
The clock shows {"hour": 12, "minute": 32, "second": 28}
